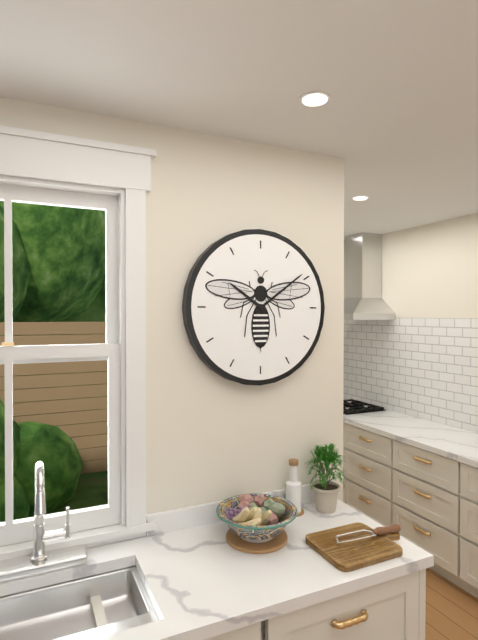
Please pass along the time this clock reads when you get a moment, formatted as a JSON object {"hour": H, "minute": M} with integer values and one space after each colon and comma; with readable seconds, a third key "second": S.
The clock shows {"hour": 10, "minute": 9}
